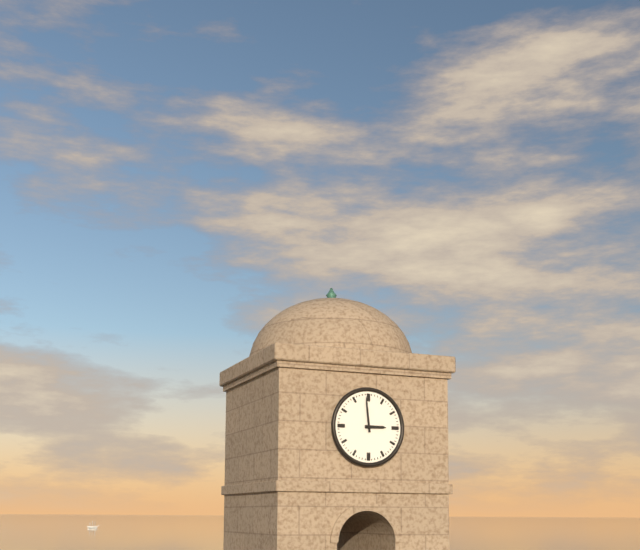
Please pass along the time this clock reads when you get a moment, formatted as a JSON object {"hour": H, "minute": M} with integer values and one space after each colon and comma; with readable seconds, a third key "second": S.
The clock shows {"hour": 2, "minute": 59}
